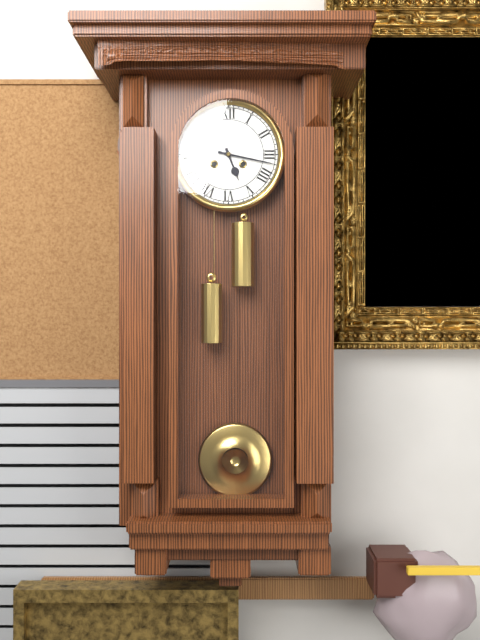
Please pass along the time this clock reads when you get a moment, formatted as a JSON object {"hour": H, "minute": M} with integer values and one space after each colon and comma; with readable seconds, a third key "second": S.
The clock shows {"hour": 5, "minute": 17}
